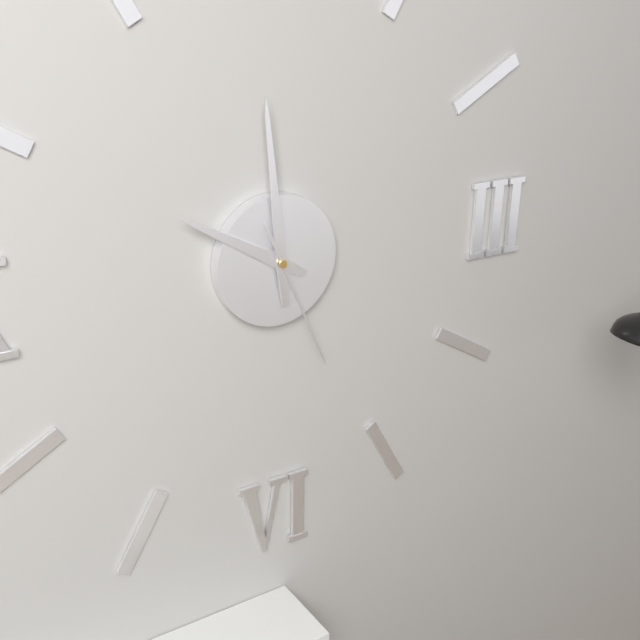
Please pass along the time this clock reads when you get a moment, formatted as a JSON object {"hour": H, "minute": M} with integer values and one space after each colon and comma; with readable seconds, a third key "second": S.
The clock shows {"hour": 9, "minute": 59, "second": 26}
